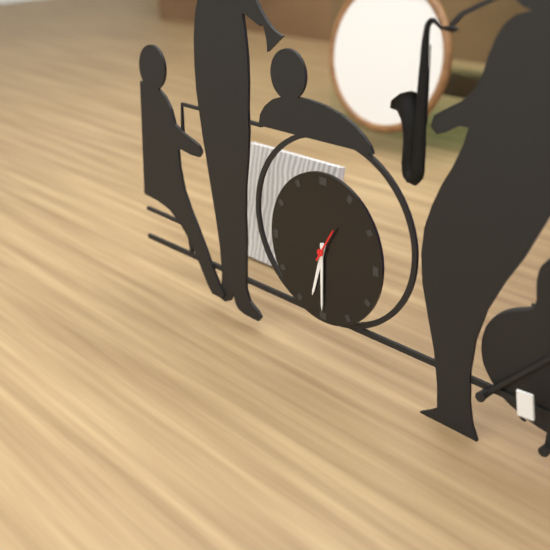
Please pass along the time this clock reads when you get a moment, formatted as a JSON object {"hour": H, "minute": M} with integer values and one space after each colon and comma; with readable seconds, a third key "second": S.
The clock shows {"hour": 6, "minute": 30}
